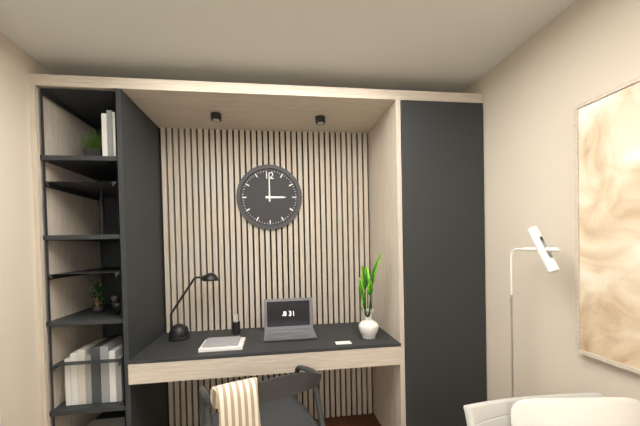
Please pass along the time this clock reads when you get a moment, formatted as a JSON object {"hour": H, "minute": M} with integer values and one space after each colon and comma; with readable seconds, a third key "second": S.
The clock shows {"hour": 3, "minute": 0}
